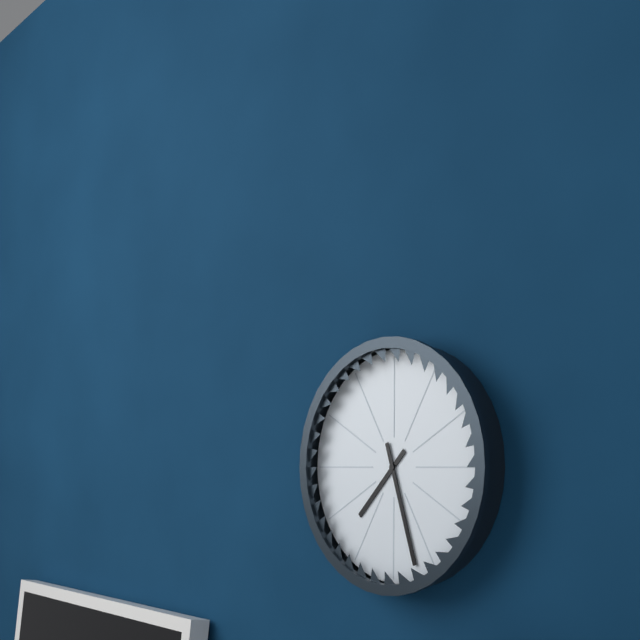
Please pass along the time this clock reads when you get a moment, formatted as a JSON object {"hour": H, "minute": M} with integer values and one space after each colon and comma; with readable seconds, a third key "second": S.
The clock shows {"hour": 7, "minute": 27}
